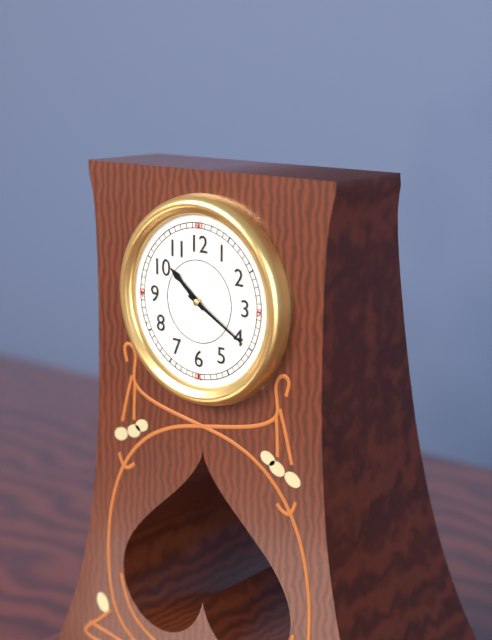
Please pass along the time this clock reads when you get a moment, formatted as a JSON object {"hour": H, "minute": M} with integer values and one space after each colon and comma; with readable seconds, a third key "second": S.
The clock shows {"hour": 10, "minute": 20}
